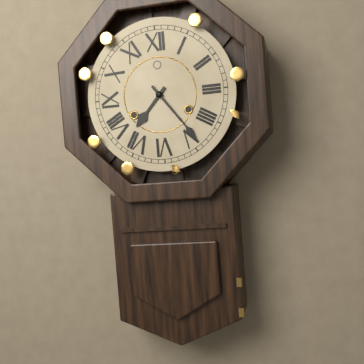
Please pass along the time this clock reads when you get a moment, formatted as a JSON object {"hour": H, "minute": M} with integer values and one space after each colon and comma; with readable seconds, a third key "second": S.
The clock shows {"hour": 7, "minute": 24}
